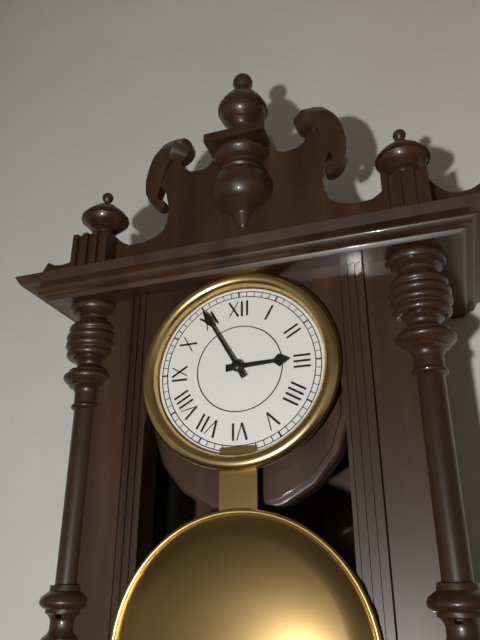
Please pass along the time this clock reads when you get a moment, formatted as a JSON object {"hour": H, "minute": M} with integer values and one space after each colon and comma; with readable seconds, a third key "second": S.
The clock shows {"hour": 2, "minute": 55}
